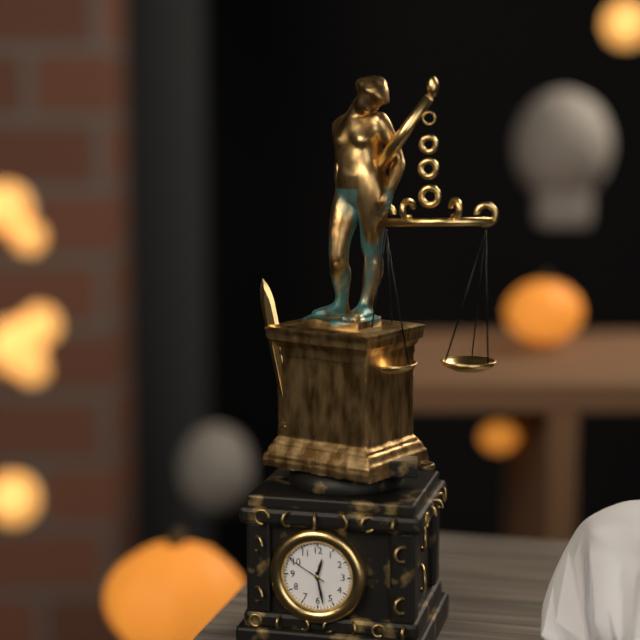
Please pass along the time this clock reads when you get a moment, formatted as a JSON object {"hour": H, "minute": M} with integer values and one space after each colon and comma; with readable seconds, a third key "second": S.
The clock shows {"hour": 12, "minute": 28}
